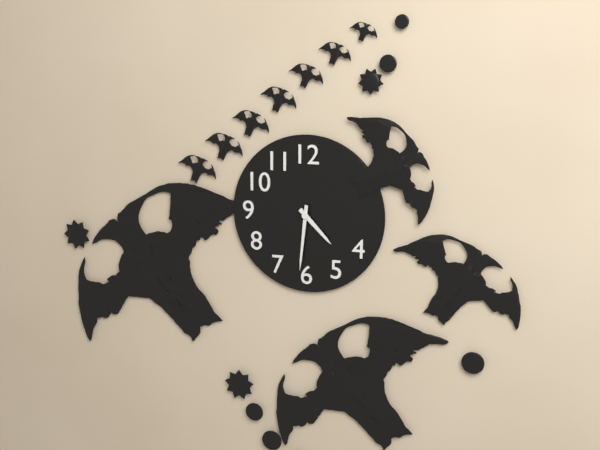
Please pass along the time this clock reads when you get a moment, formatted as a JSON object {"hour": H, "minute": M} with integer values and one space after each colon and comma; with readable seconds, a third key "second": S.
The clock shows {"hour": 4, "minute": 31}
